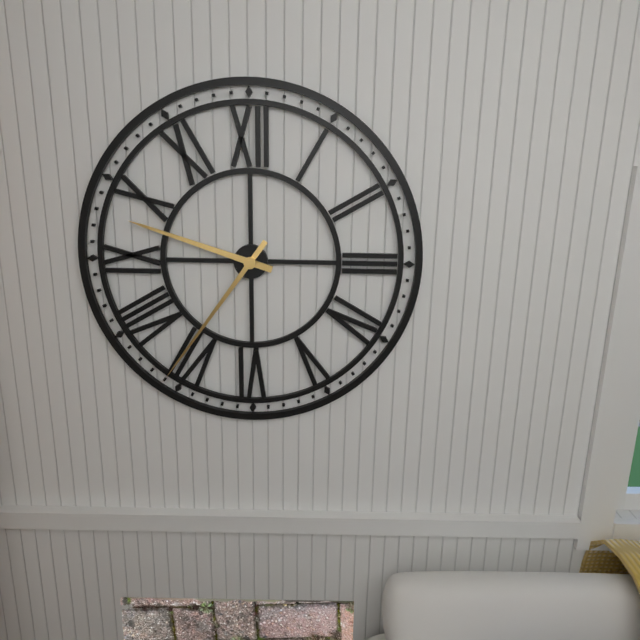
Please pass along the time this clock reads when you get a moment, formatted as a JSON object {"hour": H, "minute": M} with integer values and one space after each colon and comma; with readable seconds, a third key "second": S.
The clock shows {"hour": 9, "minute": 36}
